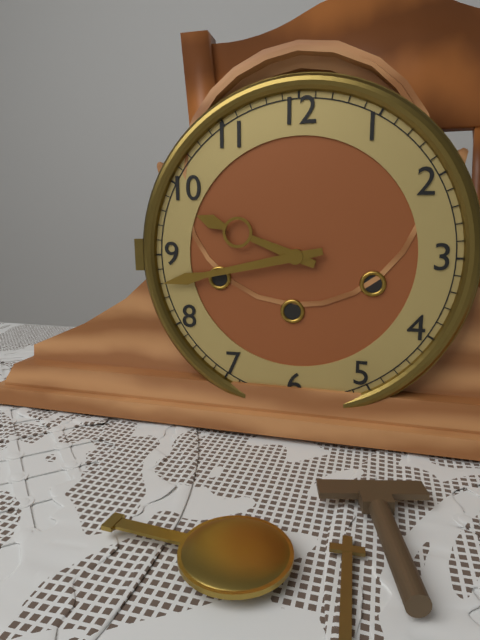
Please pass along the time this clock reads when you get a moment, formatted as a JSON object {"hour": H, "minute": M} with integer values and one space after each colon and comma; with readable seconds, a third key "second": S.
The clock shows {"hour": 9, "minute": 43}
